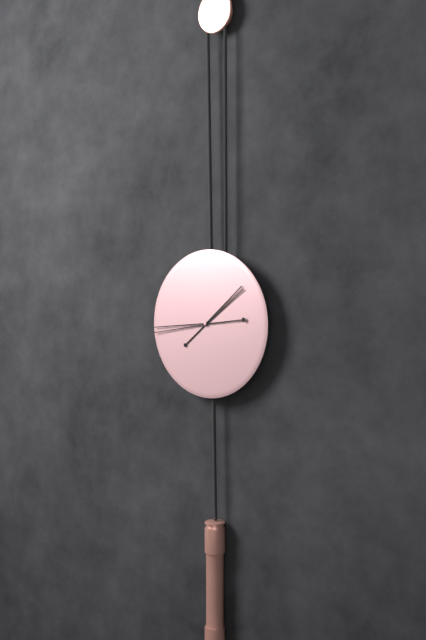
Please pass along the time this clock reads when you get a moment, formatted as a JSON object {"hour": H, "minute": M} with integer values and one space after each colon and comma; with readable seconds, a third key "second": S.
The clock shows {"hour": 1, "minute": 44}
